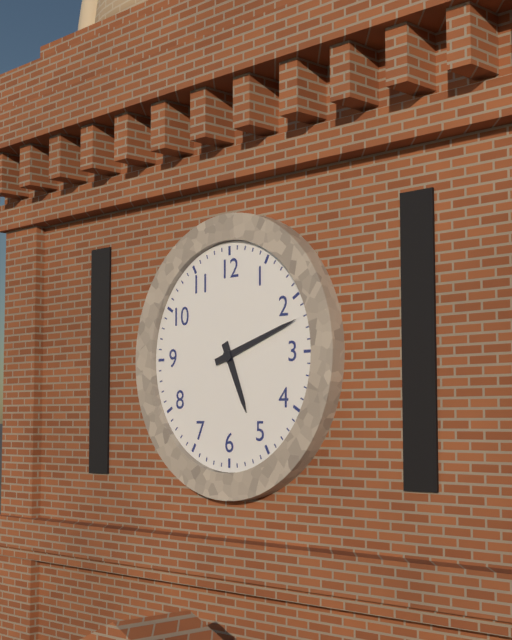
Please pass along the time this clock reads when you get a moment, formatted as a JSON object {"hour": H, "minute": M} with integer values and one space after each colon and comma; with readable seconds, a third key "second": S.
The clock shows {"hour": 5, "minute": 12}
